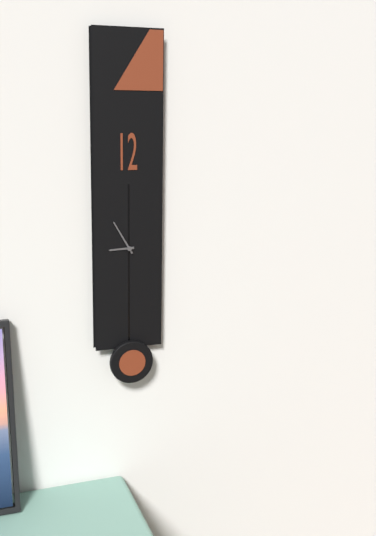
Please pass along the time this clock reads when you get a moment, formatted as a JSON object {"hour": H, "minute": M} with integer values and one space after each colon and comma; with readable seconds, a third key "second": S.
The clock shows {"hour": 8, "minute": 55}
